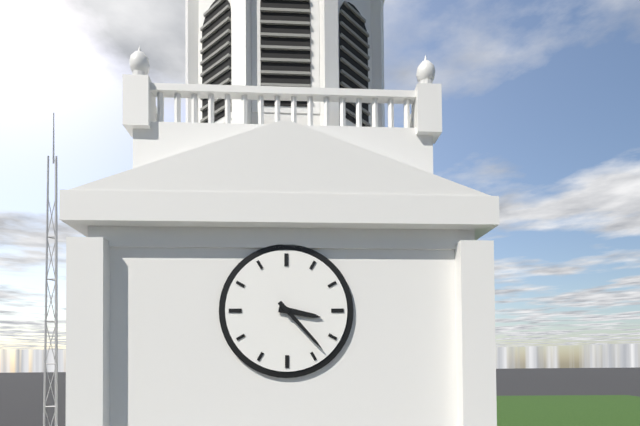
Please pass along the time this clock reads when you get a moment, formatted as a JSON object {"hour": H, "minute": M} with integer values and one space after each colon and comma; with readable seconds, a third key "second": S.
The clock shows {"hour": 3, "minute": 23}
